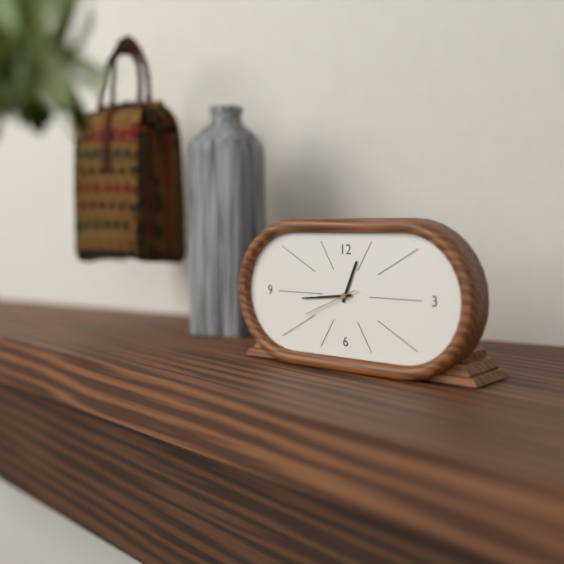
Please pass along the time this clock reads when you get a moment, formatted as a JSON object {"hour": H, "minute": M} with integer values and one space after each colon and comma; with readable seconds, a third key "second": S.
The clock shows {"hour": 12, "minute": 44, "second": 41}
